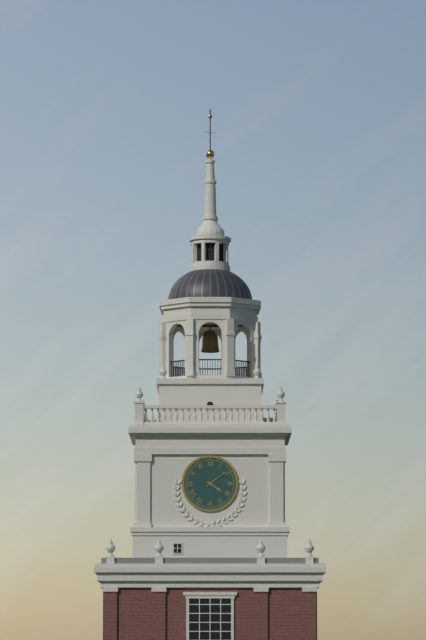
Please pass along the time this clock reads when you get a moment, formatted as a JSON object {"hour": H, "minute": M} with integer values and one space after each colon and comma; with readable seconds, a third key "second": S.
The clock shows {"hour": 4, "minute": 9}
